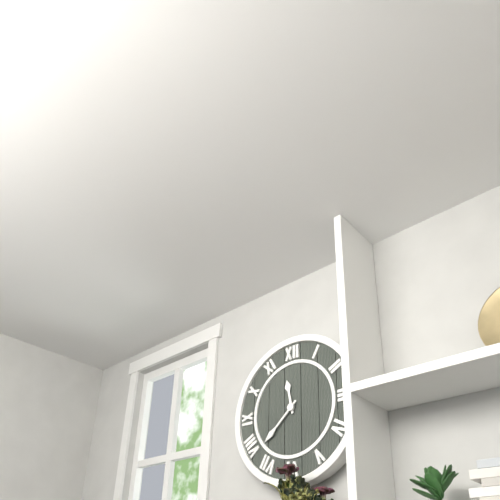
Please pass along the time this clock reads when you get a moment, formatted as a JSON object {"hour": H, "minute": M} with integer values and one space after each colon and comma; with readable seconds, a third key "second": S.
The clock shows {"hour": 11, "minute": 38}
